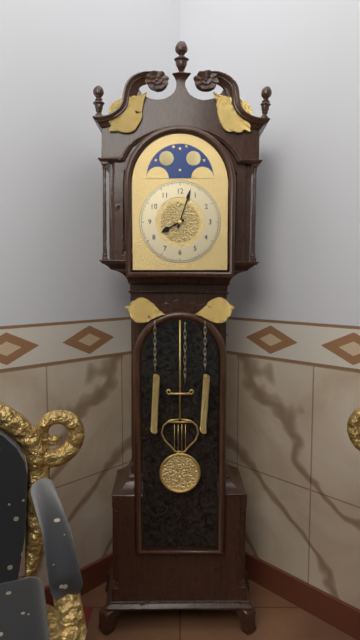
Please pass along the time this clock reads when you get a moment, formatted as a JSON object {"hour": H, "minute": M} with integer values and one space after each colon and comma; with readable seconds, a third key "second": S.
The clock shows {"hour": 8, "minute": 3}
